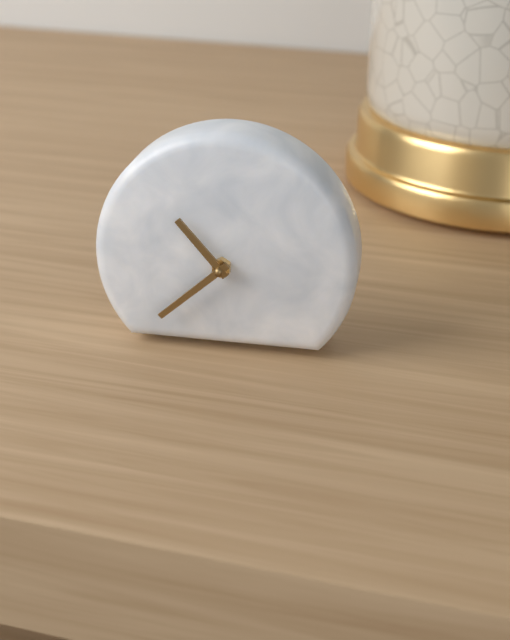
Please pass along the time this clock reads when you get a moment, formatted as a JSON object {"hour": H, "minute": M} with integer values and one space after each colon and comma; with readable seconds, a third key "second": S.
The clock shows {"hour": 10, "minute": 38}
